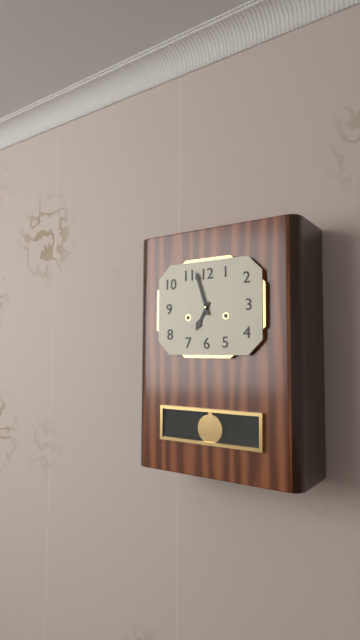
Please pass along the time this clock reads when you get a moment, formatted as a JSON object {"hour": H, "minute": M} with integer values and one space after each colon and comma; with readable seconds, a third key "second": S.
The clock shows {"hour": 6, "minute": 57}
